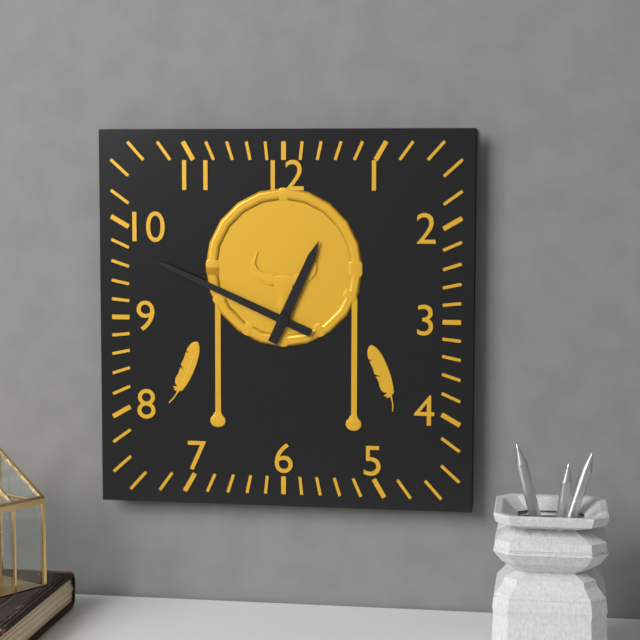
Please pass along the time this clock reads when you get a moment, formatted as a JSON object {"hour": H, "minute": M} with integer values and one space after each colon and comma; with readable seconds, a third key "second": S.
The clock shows {"hour": 12, "minute": 49}
